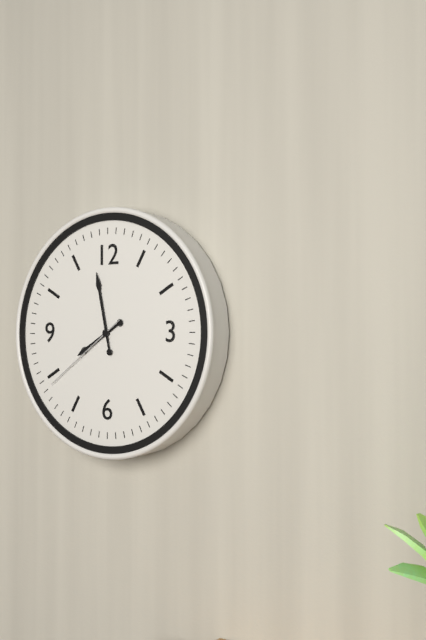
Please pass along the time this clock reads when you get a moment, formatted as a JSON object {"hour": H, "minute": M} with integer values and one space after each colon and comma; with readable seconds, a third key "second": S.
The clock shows {"hour": 7, "minute": 58, "second": 39}
